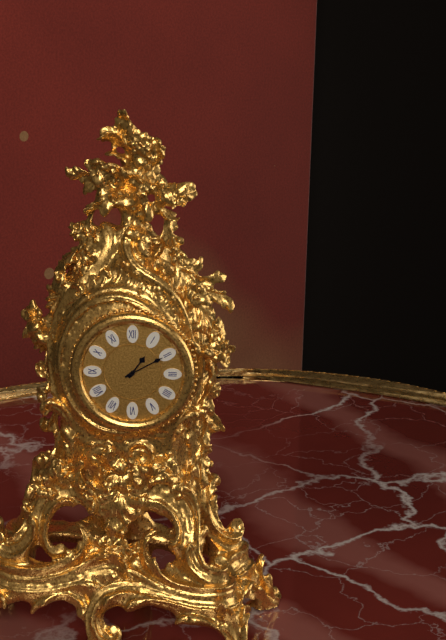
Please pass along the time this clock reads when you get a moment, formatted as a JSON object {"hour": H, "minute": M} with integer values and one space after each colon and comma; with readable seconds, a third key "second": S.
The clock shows {"hour": 1, "minute": 10}
